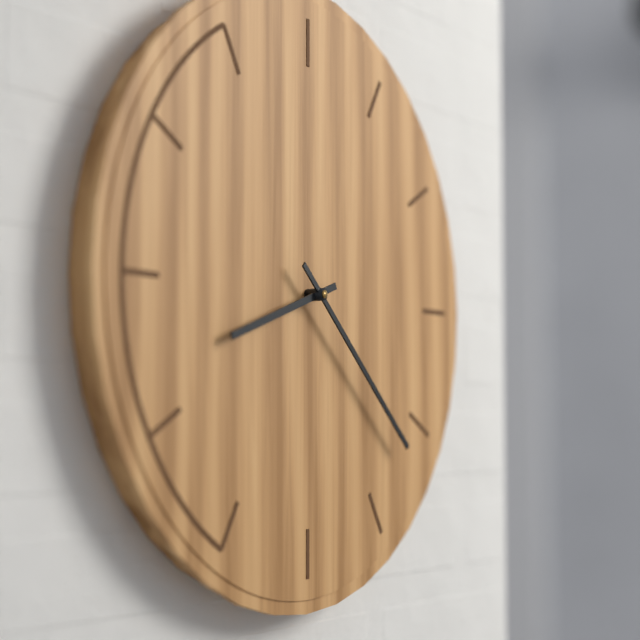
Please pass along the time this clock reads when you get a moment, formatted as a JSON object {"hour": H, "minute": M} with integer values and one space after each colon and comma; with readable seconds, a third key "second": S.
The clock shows {"hour": 8, "minute": 22}
